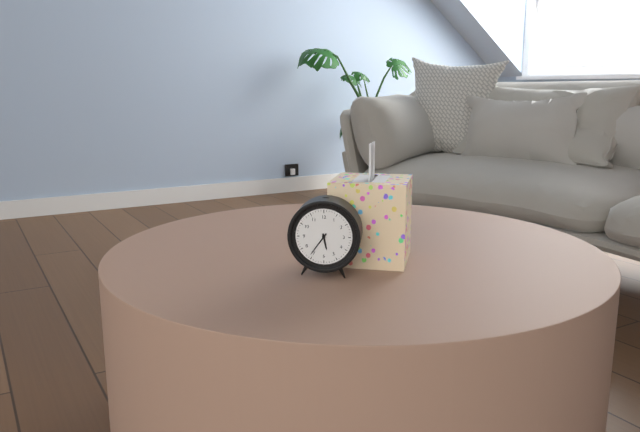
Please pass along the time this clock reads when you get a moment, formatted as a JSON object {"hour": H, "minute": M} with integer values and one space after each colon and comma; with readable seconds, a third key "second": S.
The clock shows {"hour": 5, "minute": 36}
